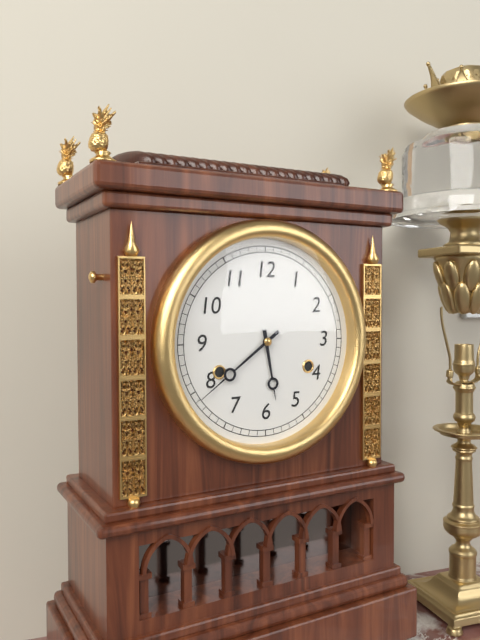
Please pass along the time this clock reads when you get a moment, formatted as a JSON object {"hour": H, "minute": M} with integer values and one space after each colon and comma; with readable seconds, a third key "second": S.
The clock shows {"hour": 5, "minute": 39}
